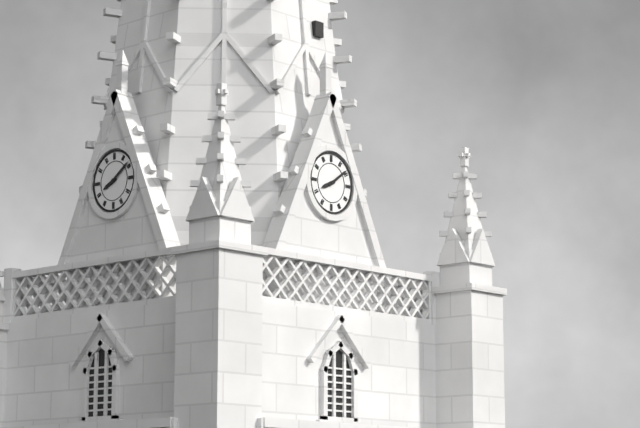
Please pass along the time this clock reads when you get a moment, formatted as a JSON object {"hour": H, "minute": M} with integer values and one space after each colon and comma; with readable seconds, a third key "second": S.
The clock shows {"hour": 8, "minute": 9}
